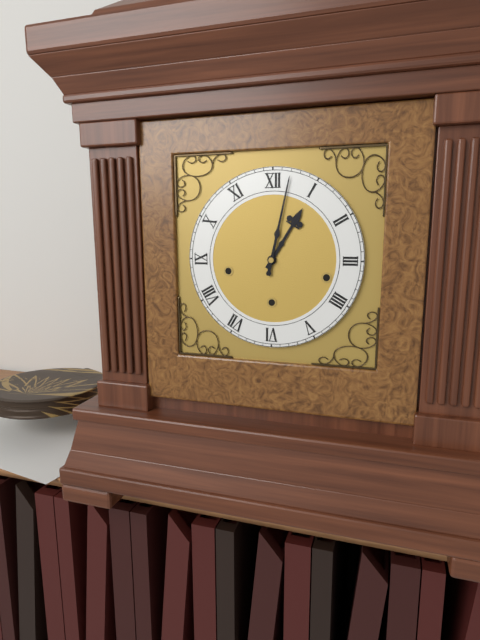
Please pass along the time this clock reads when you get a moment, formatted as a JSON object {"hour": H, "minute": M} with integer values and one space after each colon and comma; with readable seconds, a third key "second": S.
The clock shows {"hour": 1, "minute": 2}
